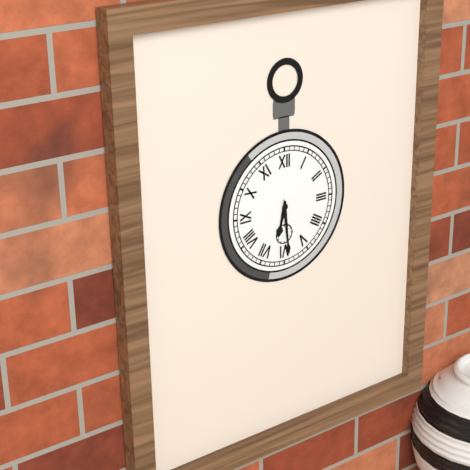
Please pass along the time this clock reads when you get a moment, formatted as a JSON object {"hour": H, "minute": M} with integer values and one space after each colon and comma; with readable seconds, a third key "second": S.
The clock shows {"hour": 6, "minute": 29}
